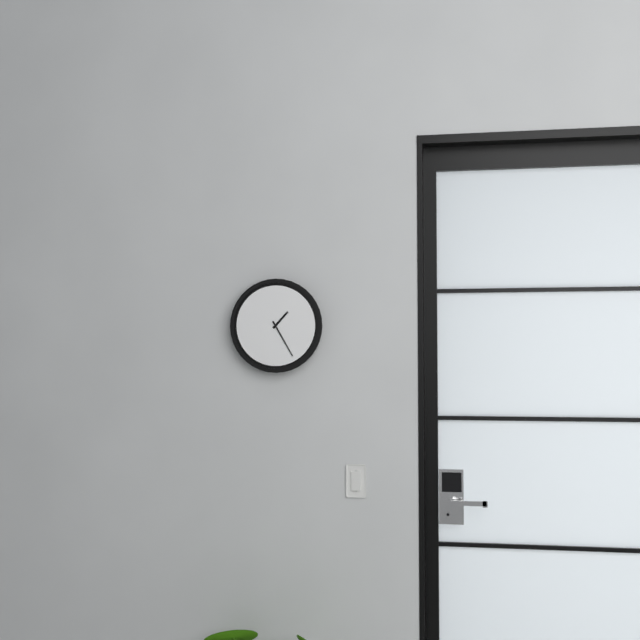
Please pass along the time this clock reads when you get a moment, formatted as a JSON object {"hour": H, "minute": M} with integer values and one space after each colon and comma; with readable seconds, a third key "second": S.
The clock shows {"hour": 1, "minute": 25}
